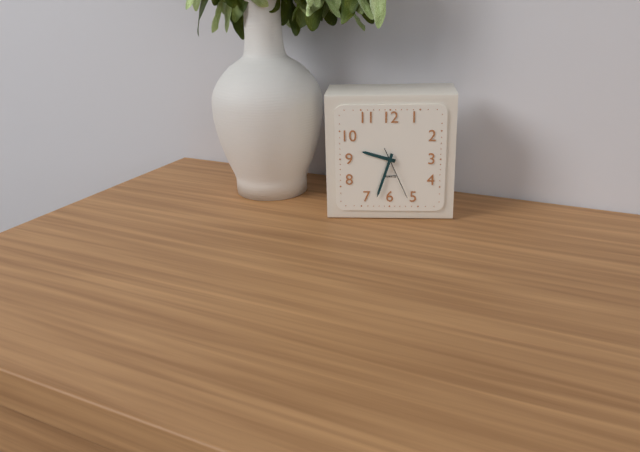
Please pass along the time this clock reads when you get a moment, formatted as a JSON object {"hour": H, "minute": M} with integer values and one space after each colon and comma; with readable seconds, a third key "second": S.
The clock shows {"hour": 9, "minute": 33, "second": 26}
